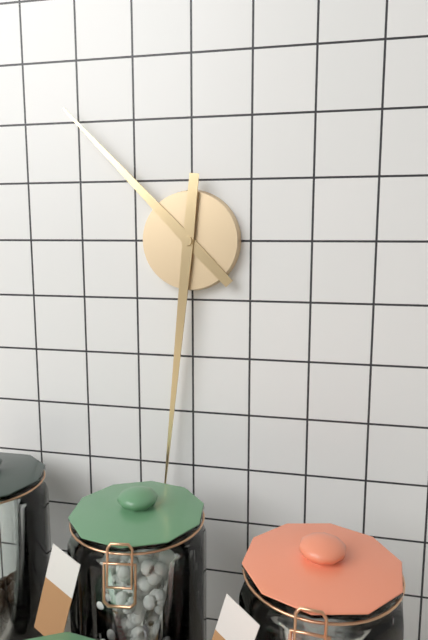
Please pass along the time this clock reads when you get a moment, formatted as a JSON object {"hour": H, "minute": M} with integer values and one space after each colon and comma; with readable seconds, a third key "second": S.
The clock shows {"hour": 10, "minute": 31}
